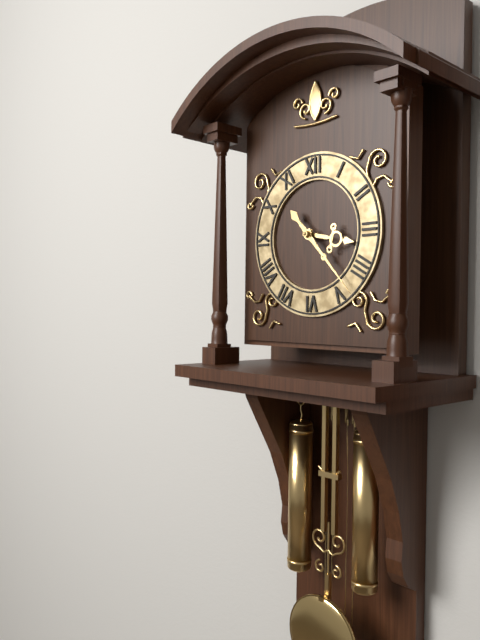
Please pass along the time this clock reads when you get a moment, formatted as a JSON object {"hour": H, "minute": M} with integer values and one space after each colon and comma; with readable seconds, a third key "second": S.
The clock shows {"hour": 3, "minute": 23}
